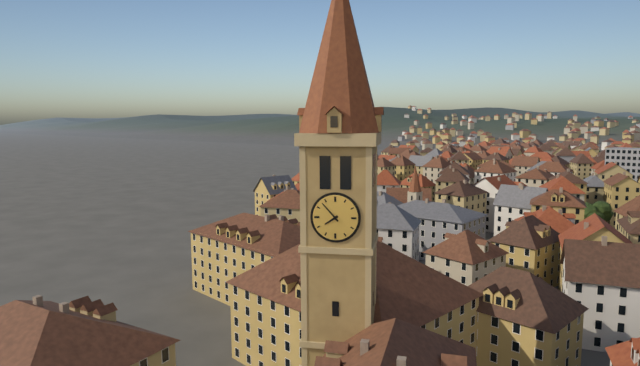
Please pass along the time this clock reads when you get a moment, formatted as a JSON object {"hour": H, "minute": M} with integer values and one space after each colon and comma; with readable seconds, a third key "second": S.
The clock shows {"hour": 7, "minute": 53}
